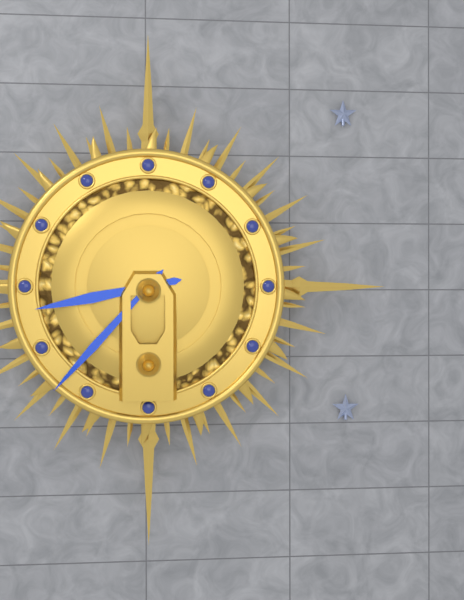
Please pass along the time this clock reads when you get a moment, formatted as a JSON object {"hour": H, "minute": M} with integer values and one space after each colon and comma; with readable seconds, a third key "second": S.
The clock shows {"hour": 8, "minute": 37}
